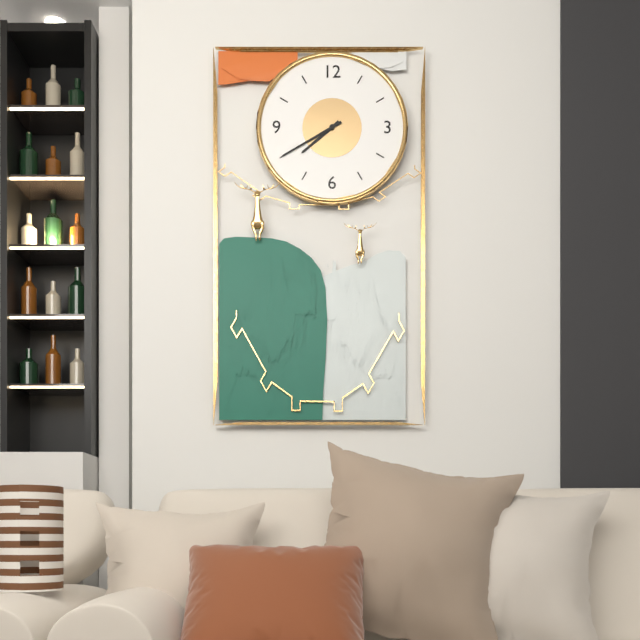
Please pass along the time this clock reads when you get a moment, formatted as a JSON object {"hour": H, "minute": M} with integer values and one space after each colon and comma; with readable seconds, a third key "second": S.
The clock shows {"hour": 7, "minute": 40}
